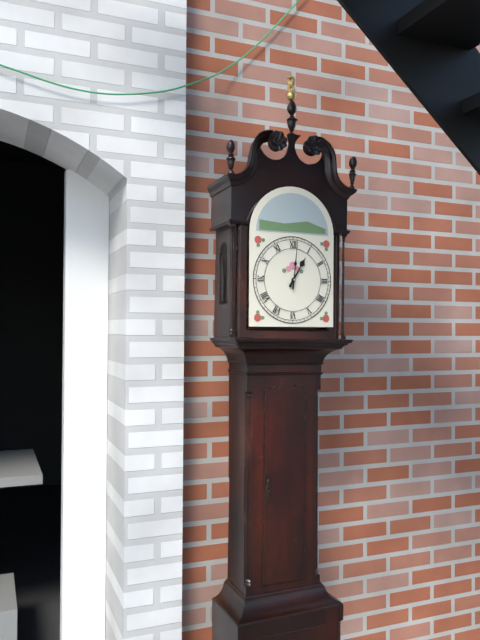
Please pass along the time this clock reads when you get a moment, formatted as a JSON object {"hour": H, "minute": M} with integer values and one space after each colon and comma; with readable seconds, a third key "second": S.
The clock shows {"hour": 1, "minute": 1}
